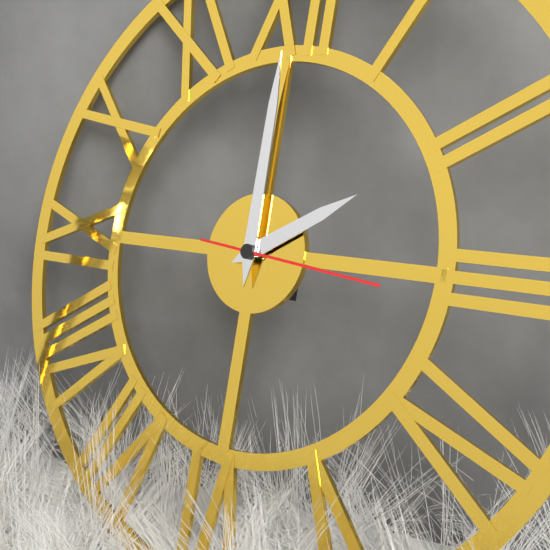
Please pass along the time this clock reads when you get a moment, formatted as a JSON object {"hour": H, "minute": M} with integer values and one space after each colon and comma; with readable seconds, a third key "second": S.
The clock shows {"hour": 2, "minute": 0, "second": 16}
